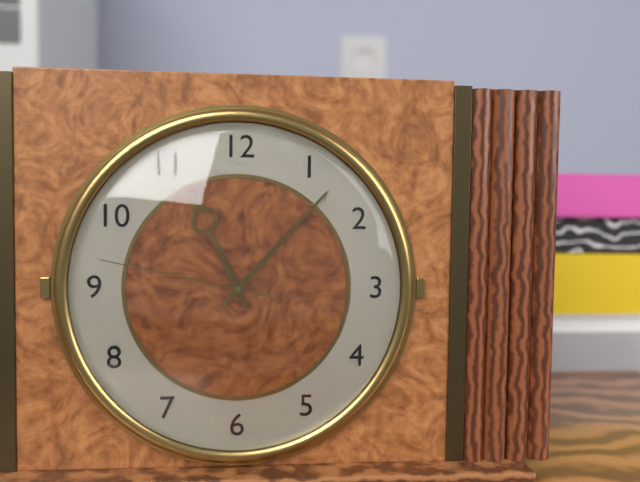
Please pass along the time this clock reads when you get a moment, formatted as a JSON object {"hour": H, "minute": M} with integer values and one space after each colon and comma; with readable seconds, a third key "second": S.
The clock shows {"hour": 11, "minute": 7, "second": 47}
